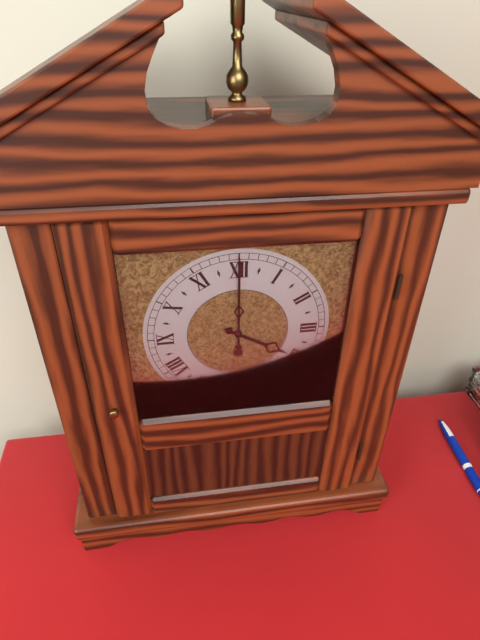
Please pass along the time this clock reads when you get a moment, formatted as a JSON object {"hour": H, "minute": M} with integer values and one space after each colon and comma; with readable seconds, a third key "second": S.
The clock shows {"hour": 4, "minute": 0}
